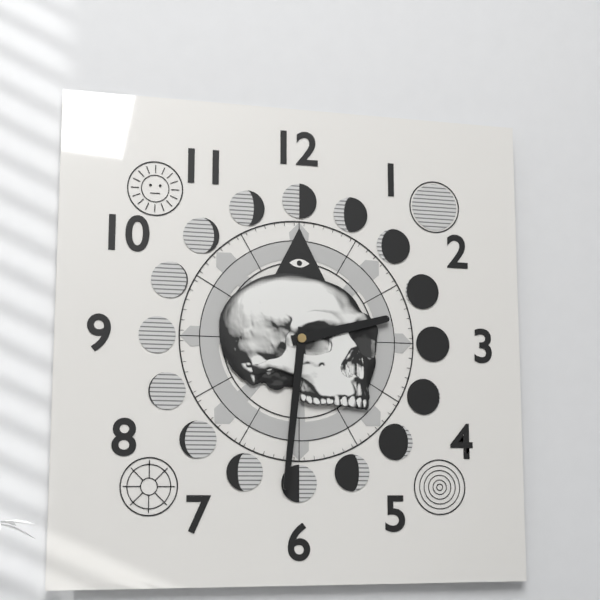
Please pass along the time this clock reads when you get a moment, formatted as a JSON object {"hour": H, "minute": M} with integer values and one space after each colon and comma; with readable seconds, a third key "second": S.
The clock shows {"hour": 2, "minute": 31}
